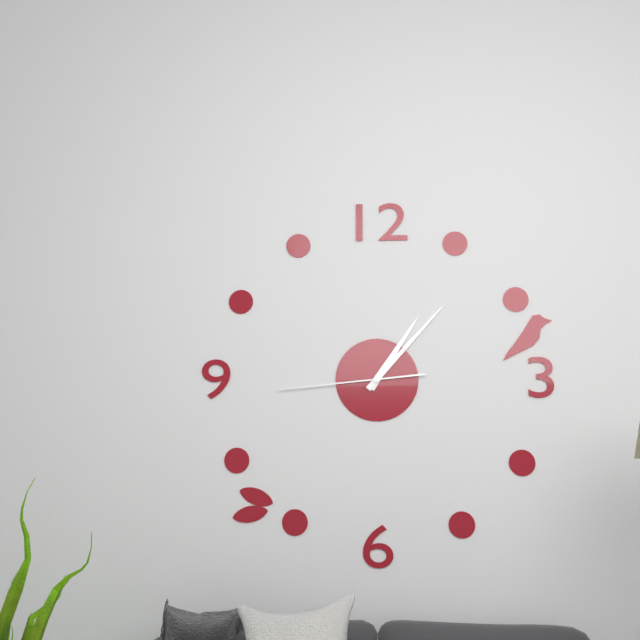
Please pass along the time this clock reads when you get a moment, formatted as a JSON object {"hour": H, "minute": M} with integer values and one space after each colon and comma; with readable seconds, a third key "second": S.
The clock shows {"hour": 1, "minute": 7, "second": 44}
